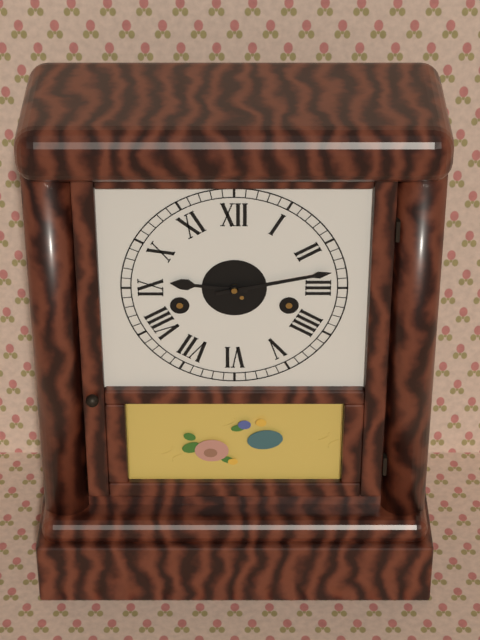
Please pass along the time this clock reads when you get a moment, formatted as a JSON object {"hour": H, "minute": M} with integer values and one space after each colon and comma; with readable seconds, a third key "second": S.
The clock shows {"hour": 9, "minute": 13}
